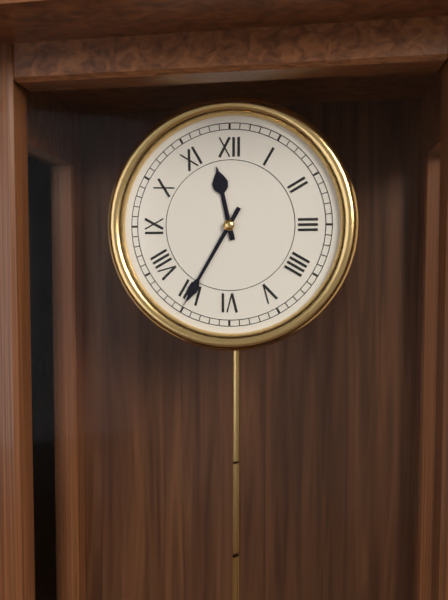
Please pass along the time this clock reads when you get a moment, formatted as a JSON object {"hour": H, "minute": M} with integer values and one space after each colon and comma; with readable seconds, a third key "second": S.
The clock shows {"hour": 11, "minute": 35}
